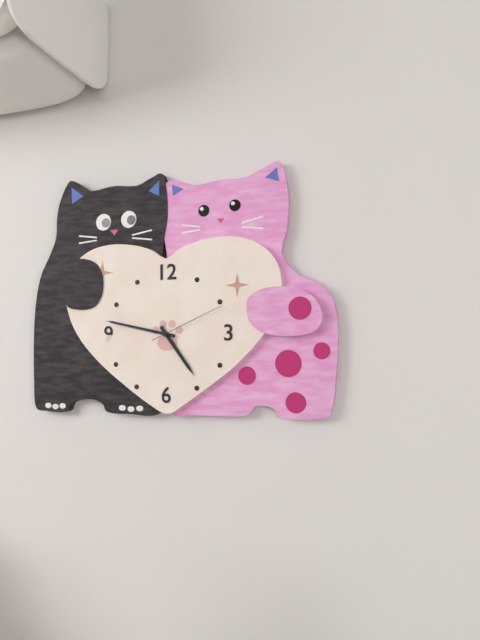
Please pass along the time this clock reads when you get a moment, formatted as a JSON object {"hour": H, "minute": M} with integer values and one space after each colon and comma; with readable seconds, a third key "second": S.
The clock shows {"hour": 4, "minute": 47, "second": 11}
